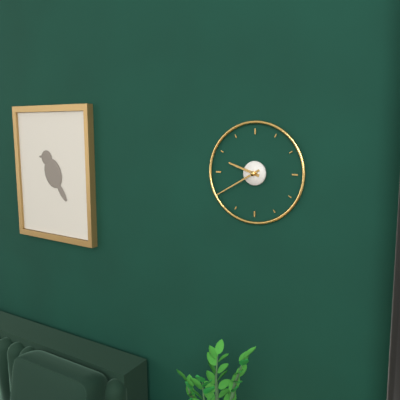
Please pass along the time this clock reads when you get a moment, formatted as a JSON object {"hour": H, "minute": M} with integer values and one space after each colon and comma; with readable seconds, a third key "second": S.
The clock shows {"hour": 9, "minute": 40}
